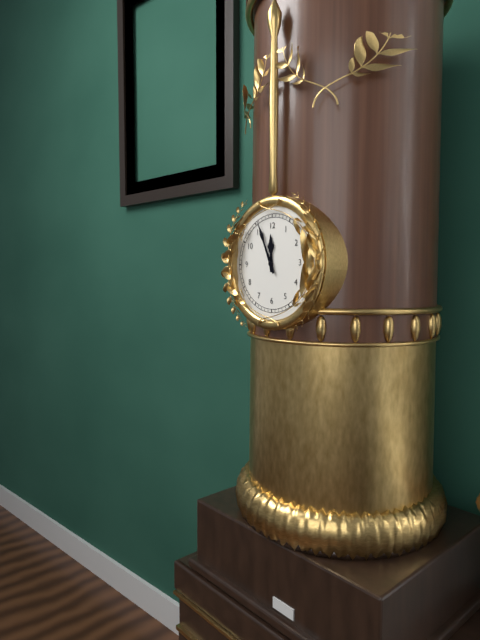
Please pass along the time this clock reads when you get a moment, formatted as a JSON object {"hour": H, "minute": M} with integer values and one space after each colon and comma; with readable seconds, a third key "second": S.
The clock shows {"hour": 11, "minute": 56}
